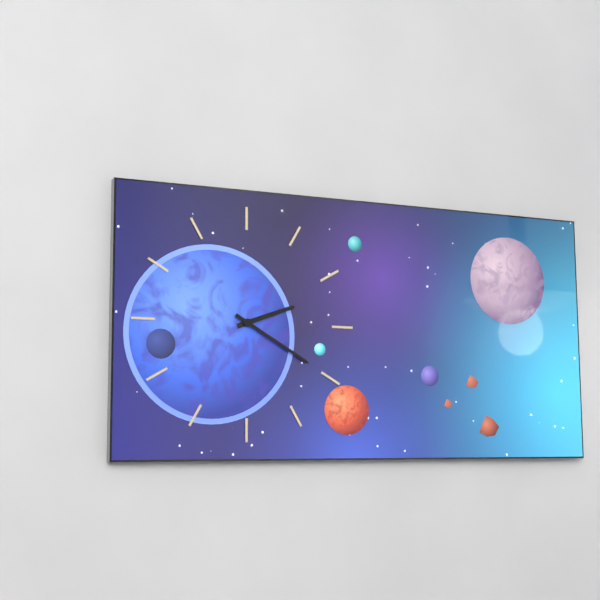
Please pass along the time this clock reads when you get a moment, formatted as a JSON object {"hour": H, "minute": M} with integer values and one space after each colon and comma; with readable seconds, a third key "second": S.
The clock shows {"hour": 2, "minute": 20}
